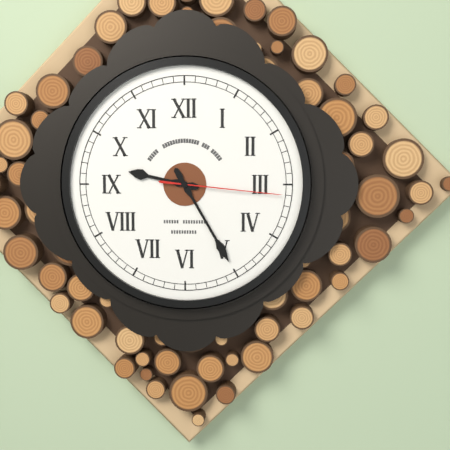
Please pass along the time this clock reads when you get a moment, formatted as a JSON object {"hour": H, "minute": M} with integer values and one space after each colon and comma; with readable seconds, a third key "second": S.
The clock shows {"hour": 9, "minute": 25, "second": 16}
